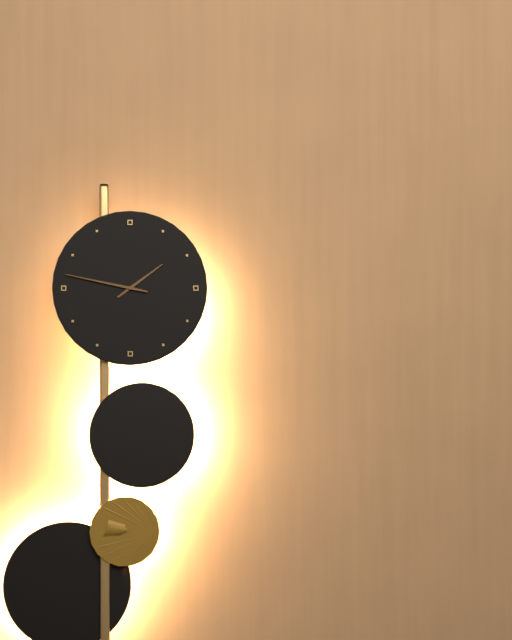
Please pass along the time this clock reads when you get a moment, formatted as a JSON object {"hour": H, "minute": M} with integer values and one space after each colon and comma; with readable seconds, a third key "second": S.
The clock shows {"hour": 1, "minute": 47}
